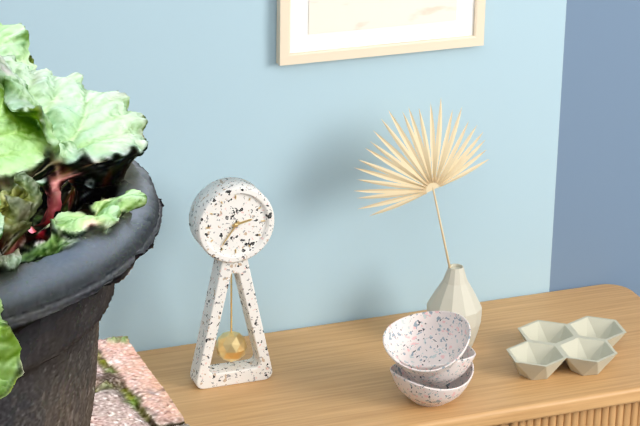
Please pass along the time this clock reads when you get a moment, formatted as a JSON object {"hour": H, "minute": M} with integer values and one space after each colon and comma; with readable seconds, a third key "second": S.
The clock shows {"hour": 2, "minute": 36}
